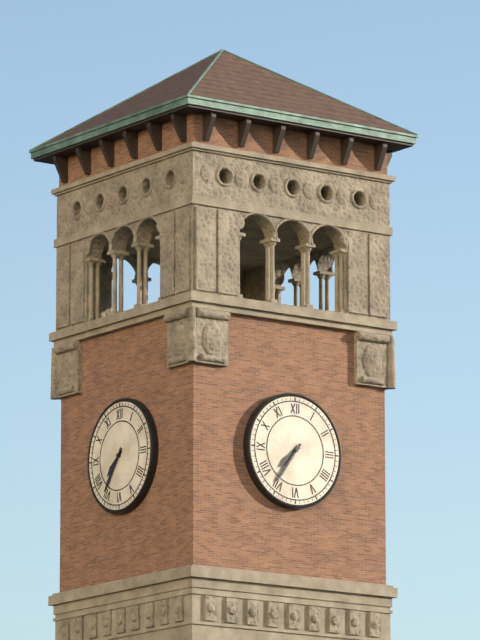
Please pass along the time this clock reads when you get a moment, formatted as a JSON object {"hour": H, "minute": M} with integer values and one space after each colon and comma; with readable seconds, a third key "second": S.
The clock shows {"hour": 7, "minute": 36}
